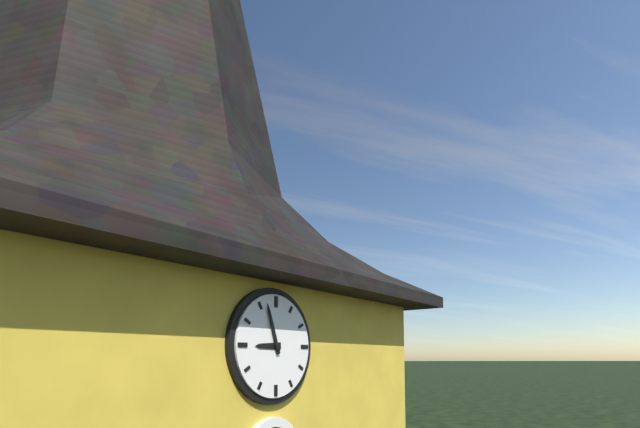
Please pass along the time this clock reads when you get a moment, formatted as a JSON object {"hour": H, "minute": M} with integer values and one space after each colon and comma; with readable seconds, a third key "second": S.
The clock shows {"hour": 8, "minute": 57}
